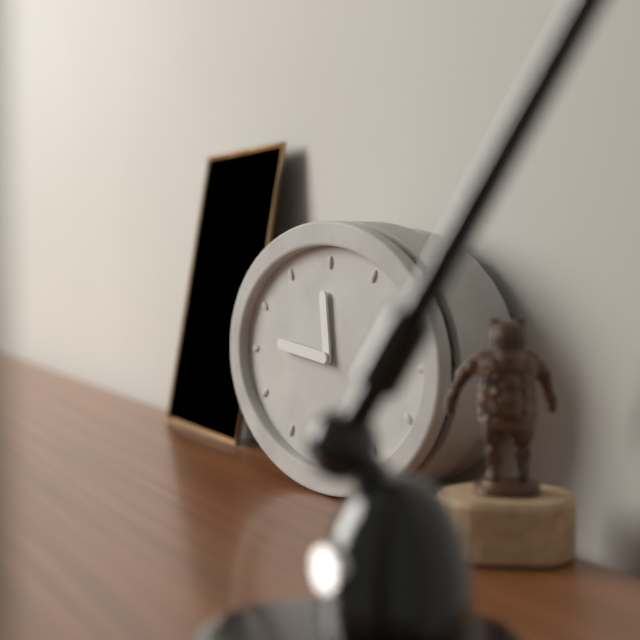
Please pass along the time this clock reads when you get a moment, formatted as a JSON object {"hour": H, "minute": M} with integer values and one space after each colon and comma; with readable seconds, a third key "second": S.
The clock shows {"hour": 11, "minute": 46}
